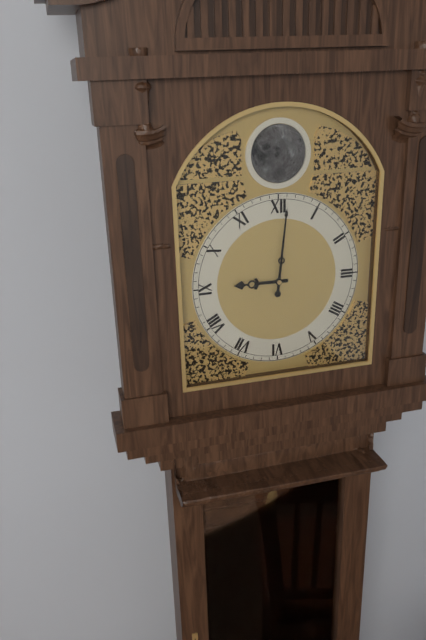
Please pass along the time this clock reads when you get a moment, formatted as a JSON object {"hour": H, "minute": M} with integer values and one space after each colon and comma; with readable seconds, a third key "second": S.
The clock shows {"hour": 9, "minute": 1}
